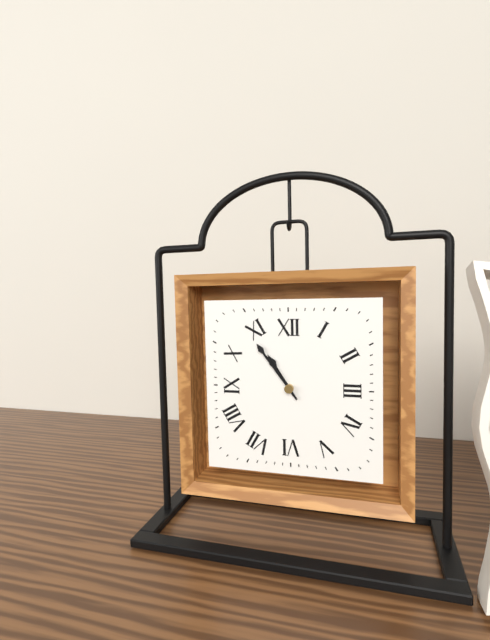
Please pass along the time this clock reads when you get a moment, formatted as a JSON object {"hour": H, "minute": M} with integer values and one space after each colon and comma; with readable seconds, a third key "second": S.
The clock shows {"hour": 10, "minute": 54}
